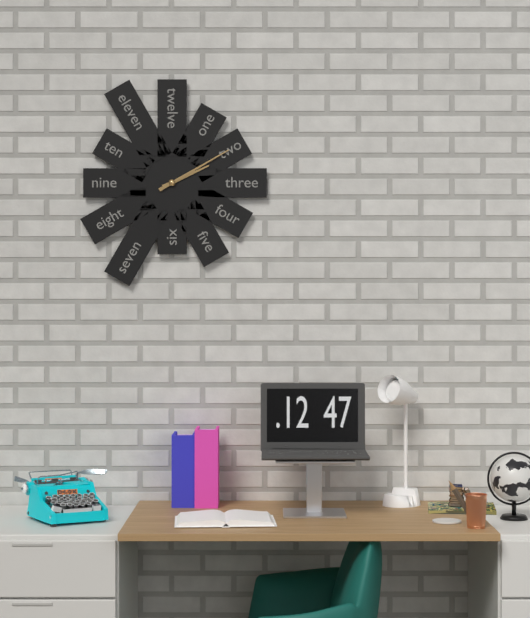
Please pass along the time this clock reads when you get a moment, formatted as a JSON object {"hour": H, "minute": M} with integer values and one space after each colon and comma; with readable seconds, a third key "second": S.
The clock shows {"hour": 2, "minute": 10}
